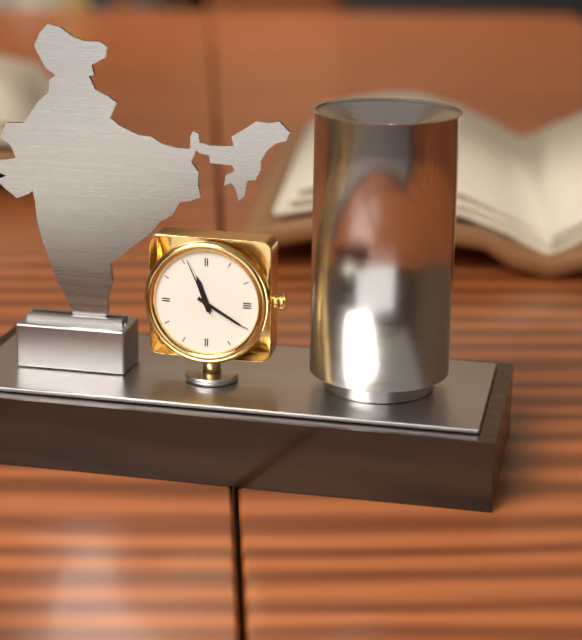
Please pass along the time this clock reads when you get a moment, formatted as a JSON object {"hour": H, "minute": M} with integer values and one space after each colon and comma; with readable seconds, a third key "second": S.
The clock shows {"hour": 11, "minute": 20, "second": 56}
